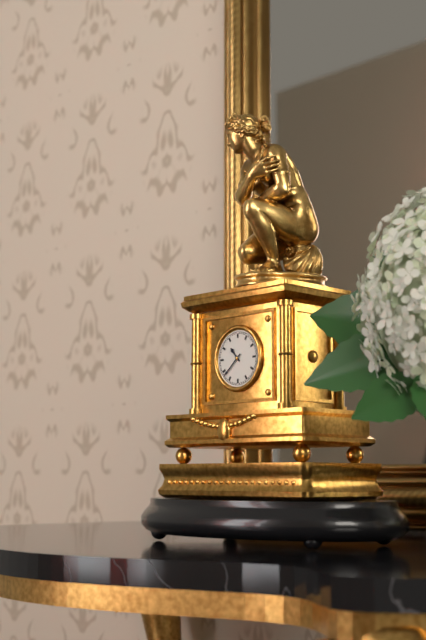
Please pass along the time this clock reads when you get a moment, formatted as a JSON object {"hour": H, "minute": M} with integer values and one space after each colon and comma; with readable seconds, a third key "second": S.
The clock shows {"hour": 10, "minute": 38}
